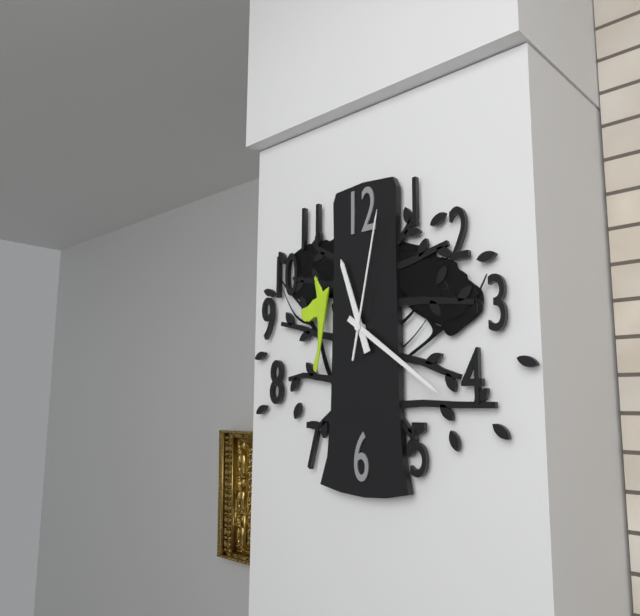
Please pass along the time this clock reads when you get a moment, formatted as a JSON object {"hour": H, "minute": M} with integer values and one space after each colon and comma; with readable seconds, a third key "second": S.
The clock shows {"hour": 11, "minute": 21, "second": 2}
